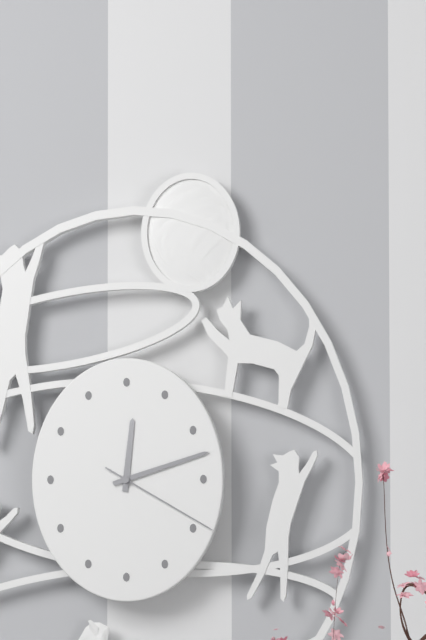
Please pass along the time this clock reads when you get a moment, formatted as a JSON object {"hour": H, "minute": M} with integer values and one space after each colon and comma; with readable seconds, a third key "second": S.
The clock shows {"hour": 12, "minute": 12, "second": 20}
